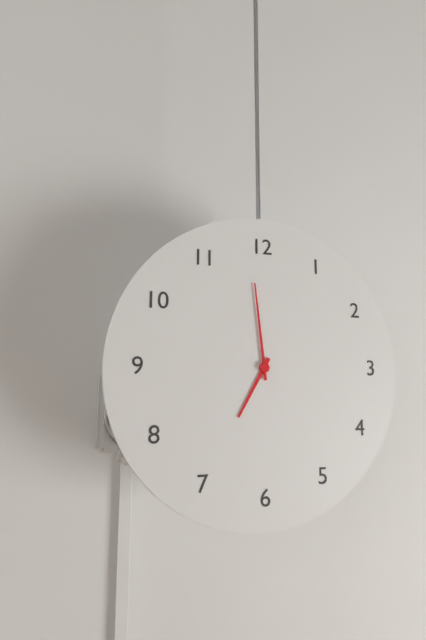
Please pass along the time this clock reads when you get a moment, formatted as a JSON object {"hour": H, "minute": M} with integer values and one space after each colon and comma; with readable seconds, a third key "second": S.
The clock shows {"hour": 6, "minute": 59}
